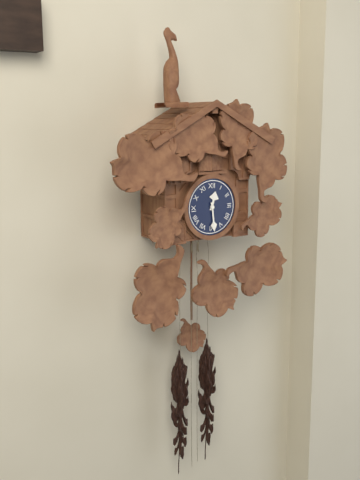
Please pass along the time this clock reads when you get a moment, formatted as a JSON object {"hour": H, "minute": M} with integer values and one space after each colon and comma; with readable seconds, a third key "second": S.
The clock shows {"hour": 12, "minute": 29}
